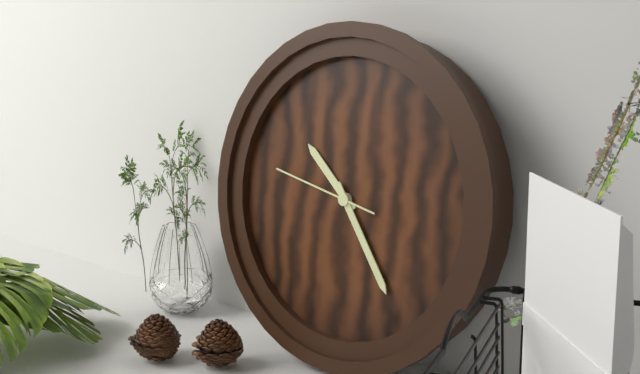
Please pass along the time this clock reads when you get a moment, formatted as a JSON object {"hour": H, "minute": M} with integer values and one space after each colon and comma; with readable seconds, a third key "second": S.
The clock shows {"hour": 10, "minute": 24, "second": 47}
